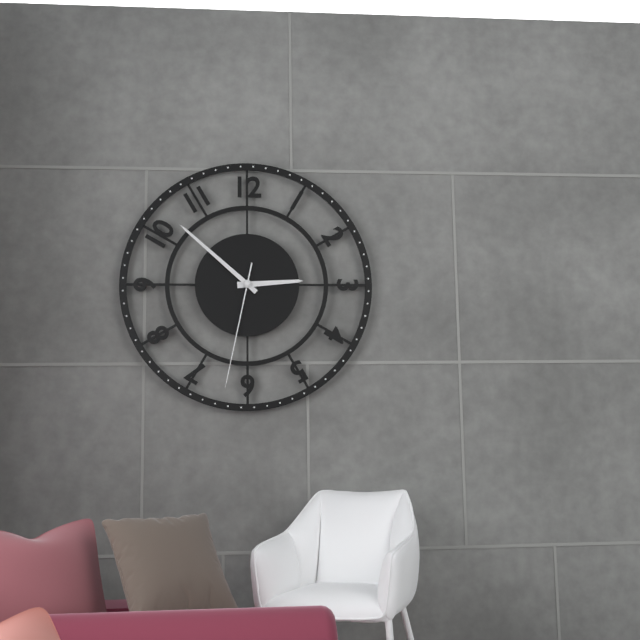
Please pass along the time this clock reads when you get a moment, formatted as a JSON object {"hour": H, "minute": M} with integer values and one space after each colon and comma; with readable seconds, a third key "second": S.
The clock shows {"hour": 2, "minute": 52, "second": 32}
